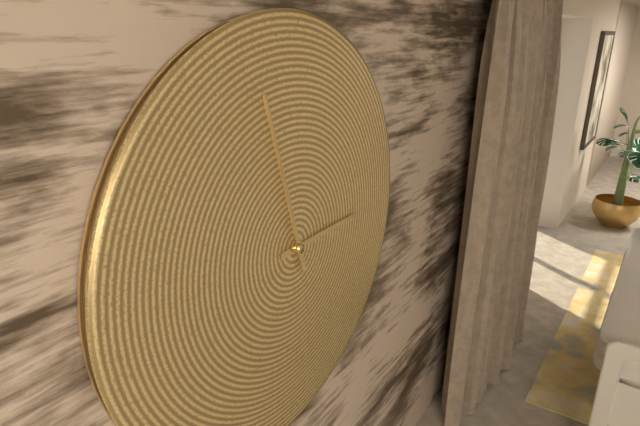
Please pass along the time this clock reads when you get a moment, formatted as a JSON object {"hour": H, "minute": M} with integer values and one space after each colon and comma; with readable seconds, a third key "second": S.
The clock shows {"hour": 2, "minute": 57}
